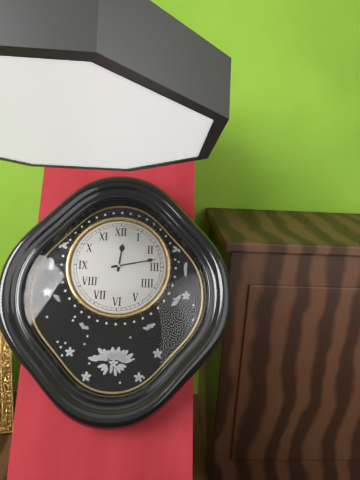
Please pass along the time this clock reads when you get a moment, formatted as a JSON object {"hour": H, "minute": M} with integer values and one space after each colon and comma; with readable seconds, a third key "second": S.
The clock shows {"hour": 12, "minute": 13}
